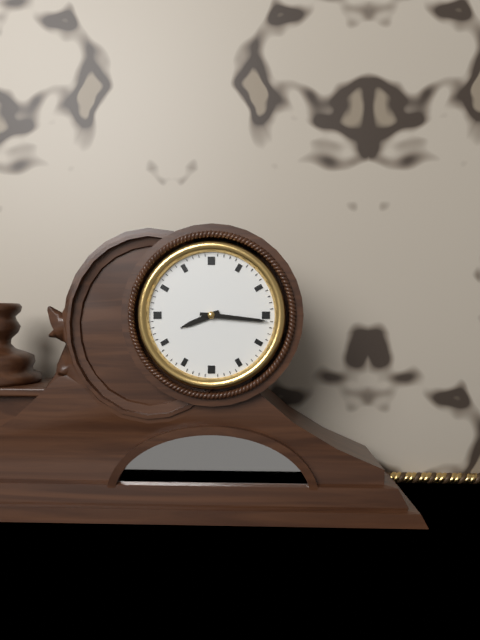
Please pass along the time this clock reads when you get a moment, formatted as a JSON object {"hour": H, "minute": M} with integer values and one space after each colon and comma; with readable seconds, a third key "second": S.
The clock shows {"hour": 8, "minute": 16}
